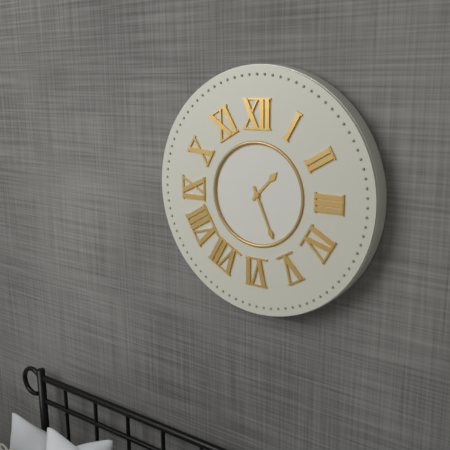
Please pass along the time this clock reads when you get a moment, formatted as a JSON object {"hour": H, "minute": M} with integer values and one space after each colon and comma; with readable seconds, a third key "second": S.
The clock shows {"hour": 1, "minute": 26}
